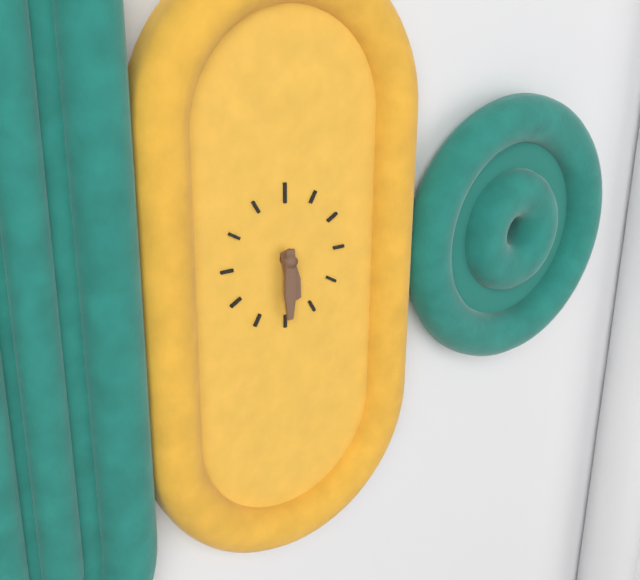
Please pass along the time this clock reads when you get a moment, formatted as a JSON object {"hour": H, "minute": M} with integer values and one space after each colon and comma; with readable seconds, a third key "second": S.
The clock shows {"hour": 5, "minute": 30}
